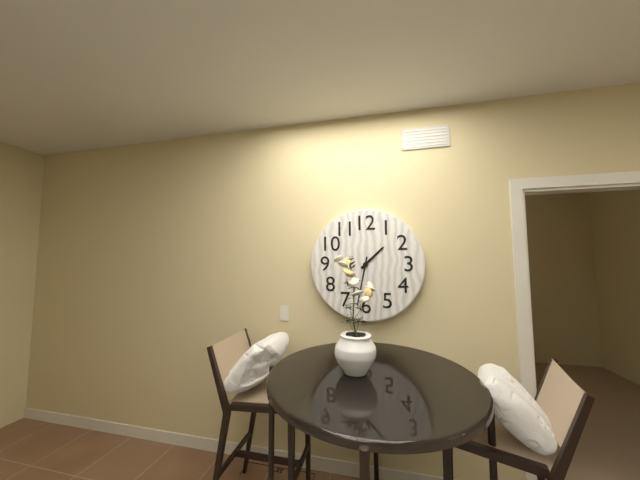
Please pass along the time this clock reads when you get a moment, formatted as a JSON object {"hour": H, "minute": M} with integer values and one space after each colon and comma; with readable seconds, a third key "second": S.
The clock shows {"hour": 1, "minute": 32}
